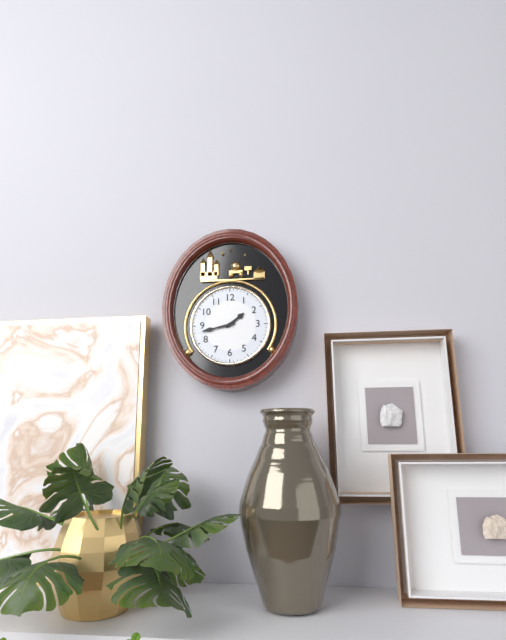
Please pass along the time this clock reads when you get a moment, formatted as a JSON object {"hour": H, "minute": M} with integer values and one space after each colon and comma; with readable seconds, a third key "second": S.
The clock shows {"hour": 1, "minute": 43}
